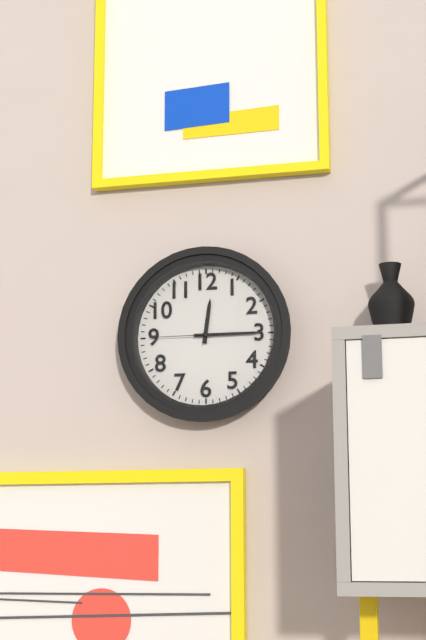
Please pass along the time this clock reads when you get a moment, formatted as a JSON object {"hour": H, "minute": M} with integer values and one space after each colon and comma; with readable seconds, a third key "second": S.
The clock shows {"hour": 12, "minute": 15, "second": 45}
